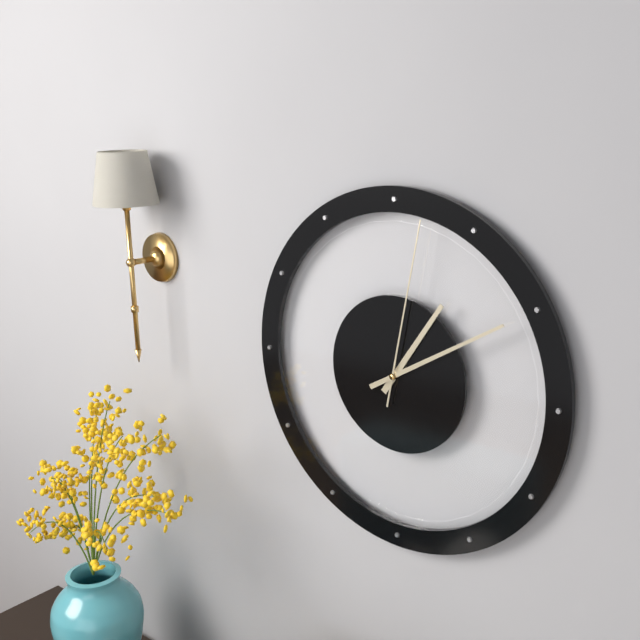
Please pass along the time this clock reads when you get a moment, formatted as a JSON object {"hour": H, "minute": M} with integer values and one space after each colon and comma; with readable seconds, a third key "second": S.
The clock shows {"hour": 1, "minute": 10, "second": 2}
